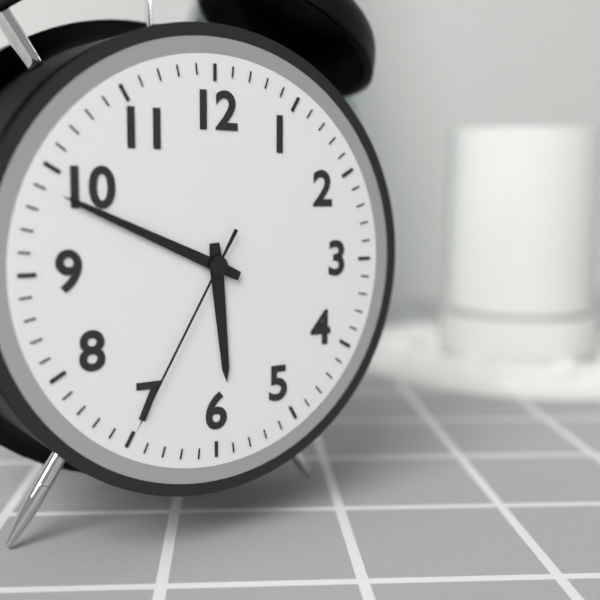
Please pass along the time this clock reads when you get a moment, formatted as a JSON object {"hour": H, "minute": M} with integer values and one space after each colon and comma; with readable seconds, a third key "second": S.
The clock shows {"hour": 5, "minute": 49, "second": 35}
